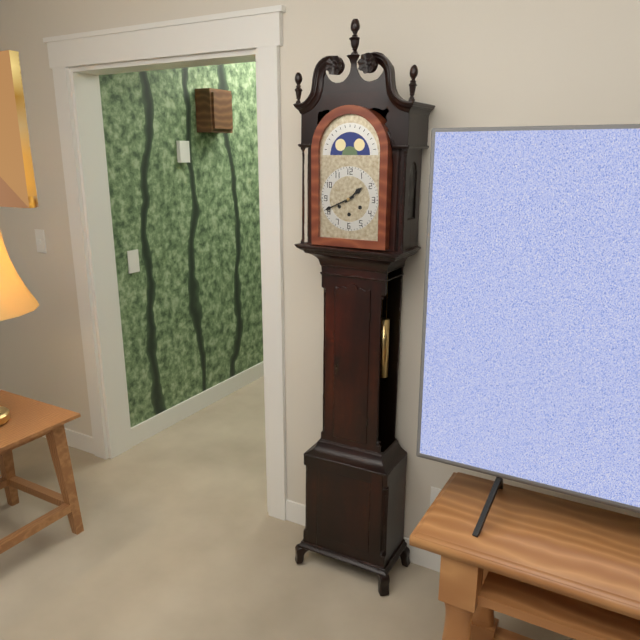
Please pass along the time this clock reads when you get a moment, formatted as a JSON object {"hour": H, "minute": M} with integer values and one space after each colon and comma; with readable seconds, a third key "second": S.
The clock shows {"hour": 1, "minute": 41}
